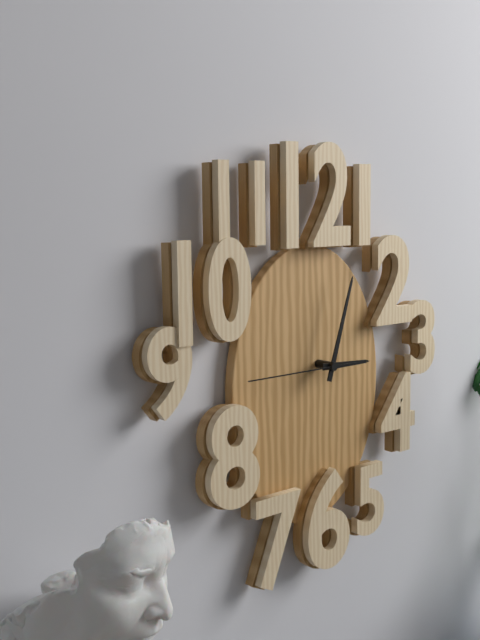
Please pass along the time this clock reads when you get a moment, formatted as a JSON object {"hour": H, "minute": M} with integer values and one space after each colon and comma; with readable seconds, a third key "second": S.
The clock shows {"hour": 3, "minute": 3, "second": 45}
